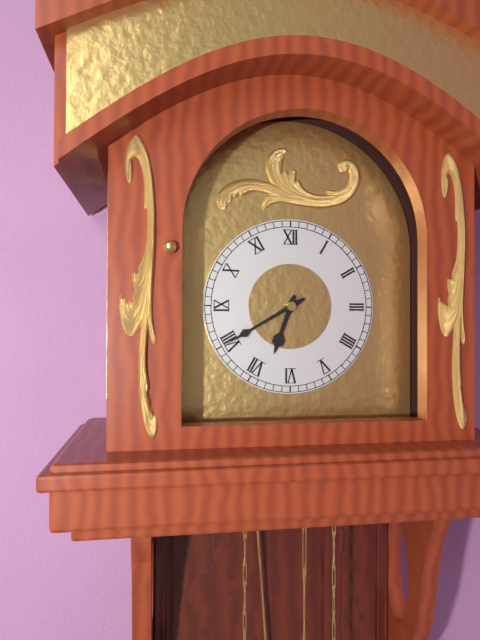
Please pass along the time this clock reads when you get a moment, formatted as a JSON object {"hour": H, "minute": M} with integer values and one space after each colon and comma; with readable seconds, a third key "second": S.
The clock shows {"hour": 6, "minute": 40}
